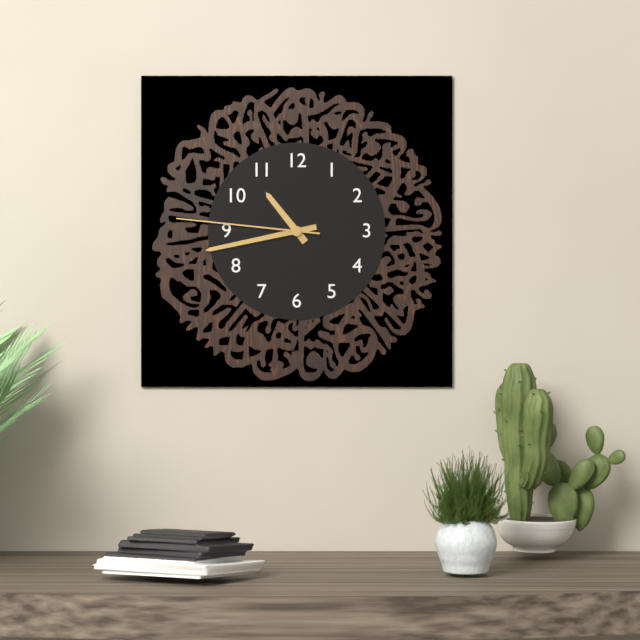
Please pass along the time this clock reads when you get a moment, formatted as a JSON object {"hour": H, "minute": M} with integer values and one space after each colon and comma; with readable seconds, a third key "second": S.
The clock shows {"hour": 10, "minute": 43, "second": 46}
